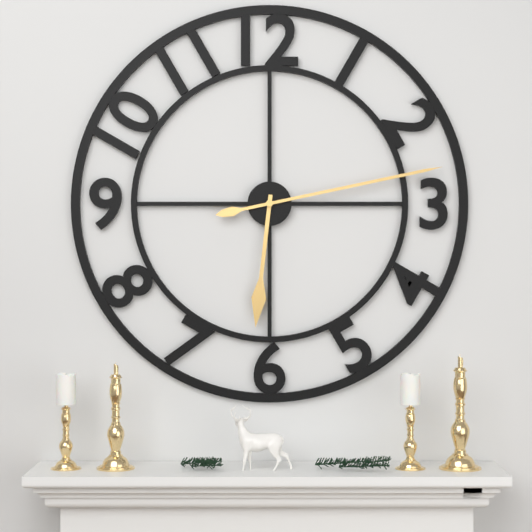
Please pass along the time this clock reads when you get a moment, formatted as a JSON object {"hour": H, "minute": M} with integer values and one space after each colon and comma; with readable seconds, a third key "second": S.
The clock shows {"hour": 6, "minute": 13}
